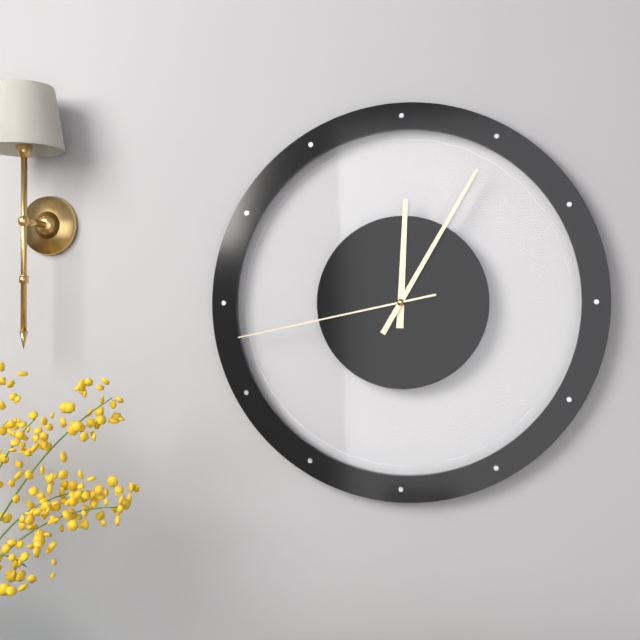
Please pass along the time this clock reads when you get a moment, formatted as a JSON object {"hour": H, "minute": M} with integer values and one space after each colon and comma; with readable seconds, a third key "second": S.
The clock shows {"hour": 12, "minute": 5, "second": 43}
